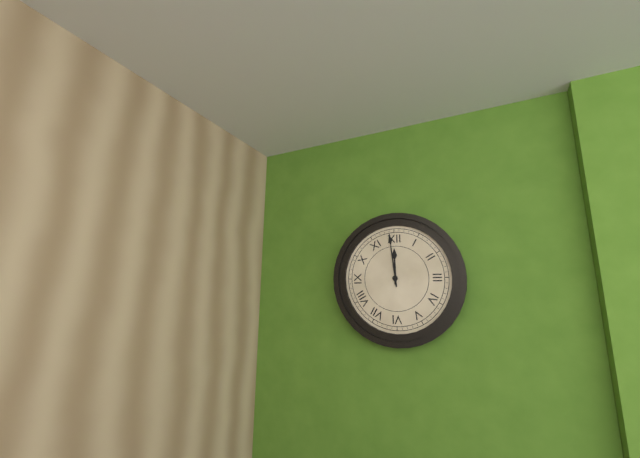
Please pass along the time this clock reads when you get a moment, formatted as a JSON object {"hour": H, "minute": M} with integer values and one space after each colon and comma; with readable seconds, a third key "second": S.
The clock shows {"hour": 11, "minute": 59}
